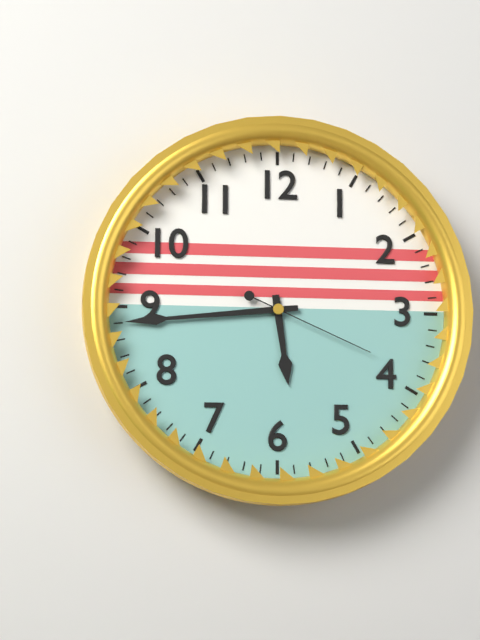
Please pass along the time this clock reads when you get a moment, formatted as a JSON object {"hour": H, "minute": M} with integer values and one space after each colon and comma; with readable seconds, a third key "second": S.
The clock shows {"hour": 5, "minute": 44, "second": 19}
